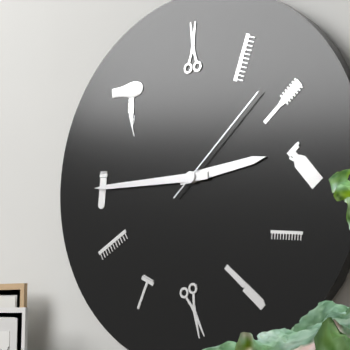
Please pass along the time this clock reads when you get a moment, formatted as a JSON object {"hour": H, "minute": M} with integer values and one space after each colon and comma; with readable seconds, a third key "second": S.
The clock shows {"hour": 2, "minute": 45, "second": 8}
